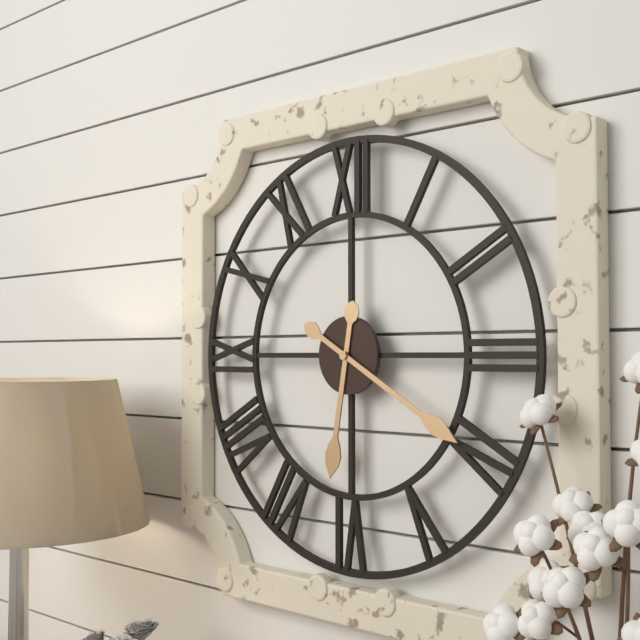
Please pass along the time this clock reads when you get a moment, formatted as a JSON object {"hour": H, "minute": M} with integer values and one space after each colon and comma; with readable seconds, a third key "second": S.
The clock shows {"hour": 6, "minute": 20}
